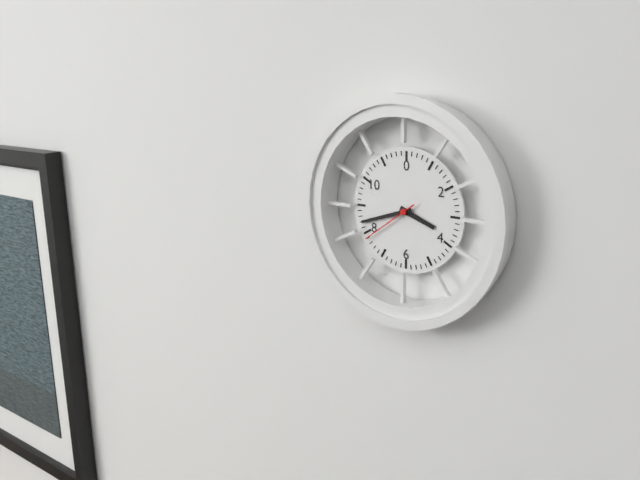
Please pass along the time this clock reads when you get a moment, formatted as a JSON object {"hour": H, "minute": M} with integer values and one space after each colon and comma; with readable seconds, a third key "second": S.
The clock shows {"hour": 3, "minute": 42, "second": 39}
